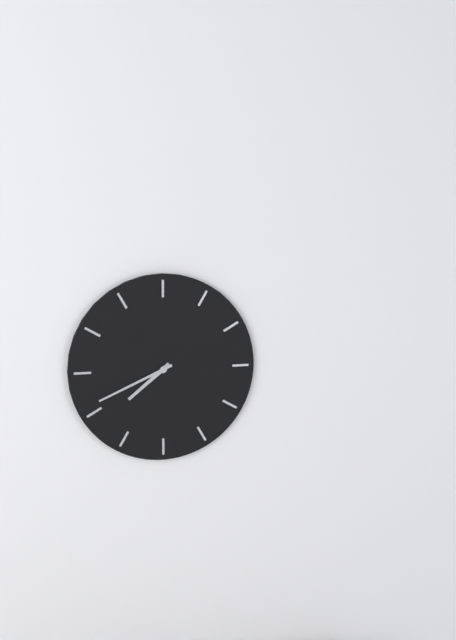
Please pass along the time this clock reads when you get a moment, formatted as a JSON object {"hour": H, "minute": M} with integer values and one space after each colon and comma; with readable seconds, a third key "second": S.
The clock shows {"hour": 7, "minute": 41}
